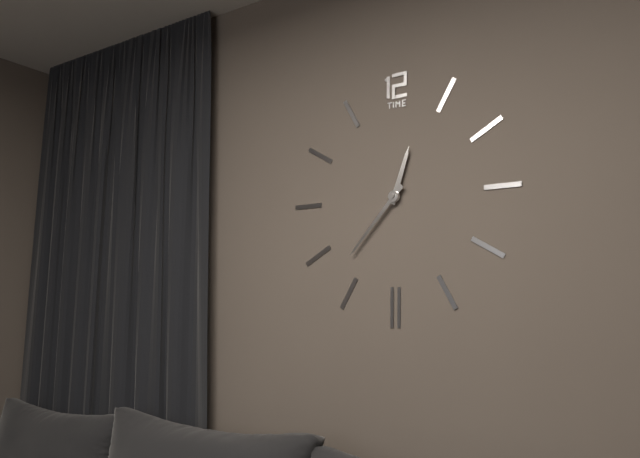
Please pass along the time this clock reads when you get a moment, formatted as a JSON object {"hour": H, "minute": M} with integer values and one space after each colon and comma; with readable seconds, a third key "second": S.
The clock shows {"hour": 12, "minute": 37}
